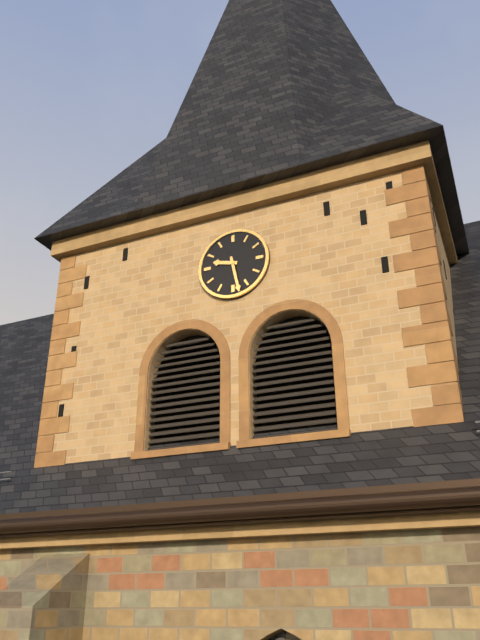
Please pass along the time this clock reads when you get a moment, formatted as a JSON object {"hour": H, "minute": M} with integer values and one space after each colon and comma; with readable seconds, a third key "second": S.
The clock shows {"hour": 9, "minute": 28}
